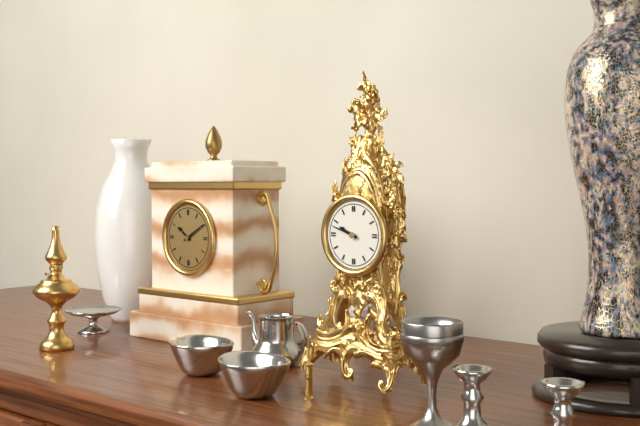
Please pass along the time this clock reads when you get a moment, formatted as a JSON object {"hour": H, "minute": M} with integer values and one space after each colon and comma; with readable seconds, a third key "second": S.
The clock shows {"hour": 9, "minute": 48}
